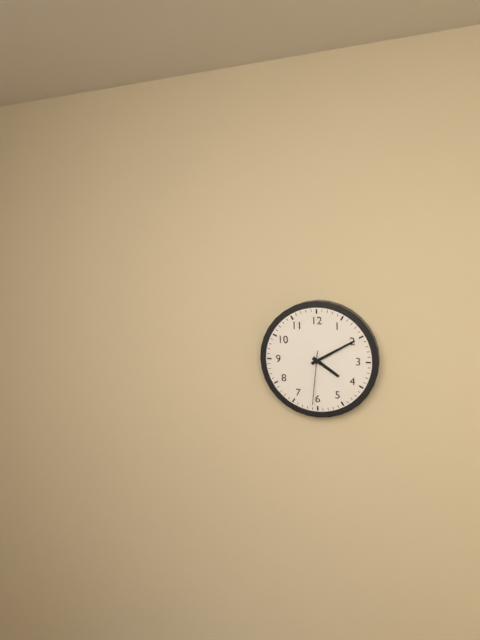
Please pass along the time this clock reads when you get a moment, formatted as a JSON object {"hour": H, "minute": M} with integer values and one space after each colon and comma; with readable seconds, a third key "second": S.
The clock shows {"hour": 4, "minute": 10, "second": 31}
